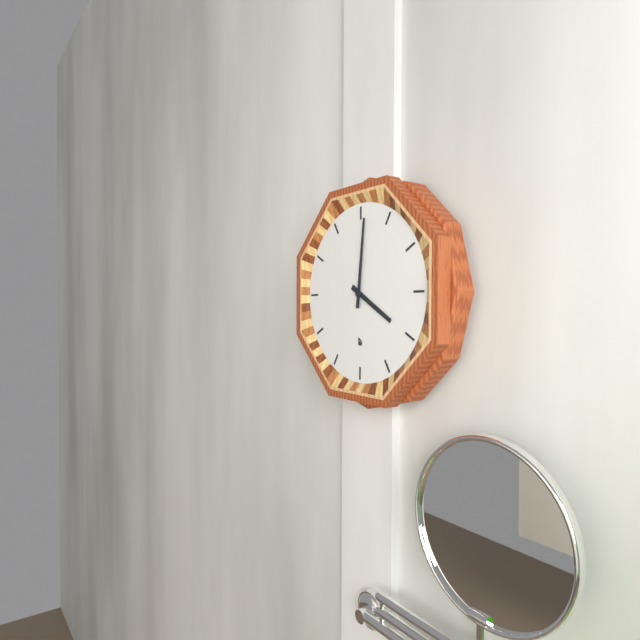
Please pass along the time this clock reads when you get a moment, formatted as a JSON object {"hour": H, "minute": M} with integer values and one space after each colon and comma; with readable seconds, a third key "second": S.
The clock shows {"hour": 4, "minute": 1}
